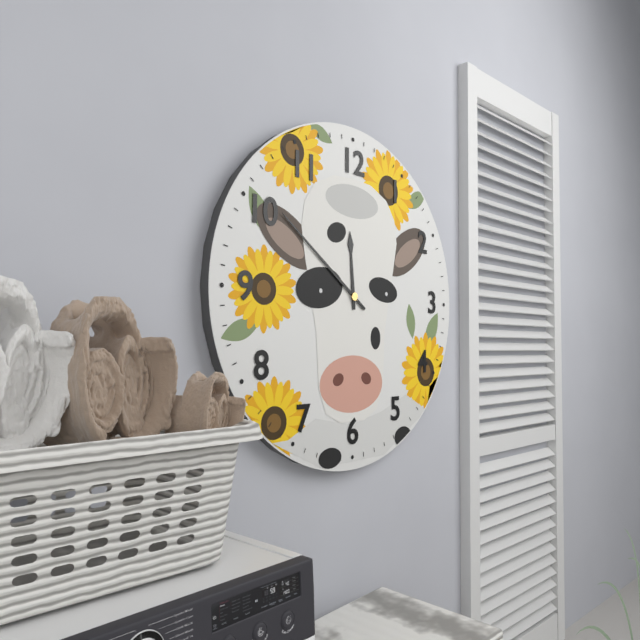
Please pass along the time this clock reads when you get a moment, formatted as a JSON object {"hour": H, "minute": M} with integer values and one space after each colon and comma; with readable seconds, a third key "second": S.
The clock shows {"hour": 11, "minute": 51}
